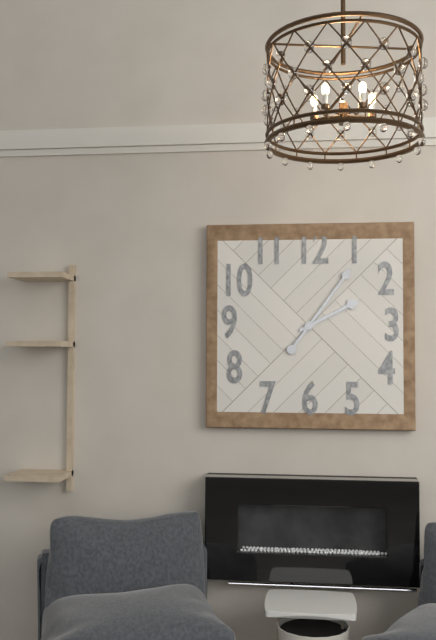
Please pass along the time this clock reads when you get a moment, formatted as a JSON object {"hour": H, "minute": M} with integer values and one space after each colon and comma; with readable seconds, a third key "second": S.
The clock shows {"hour": 2, "minute": 6}
